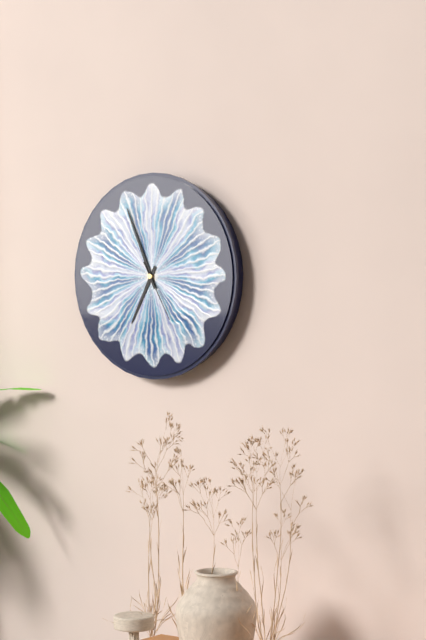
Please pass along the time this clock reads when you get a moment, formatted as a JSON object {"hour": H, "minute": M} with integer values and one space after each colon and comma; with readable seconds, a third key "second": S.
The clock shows {"hour": 6, "minute": 56, "second": 25}
